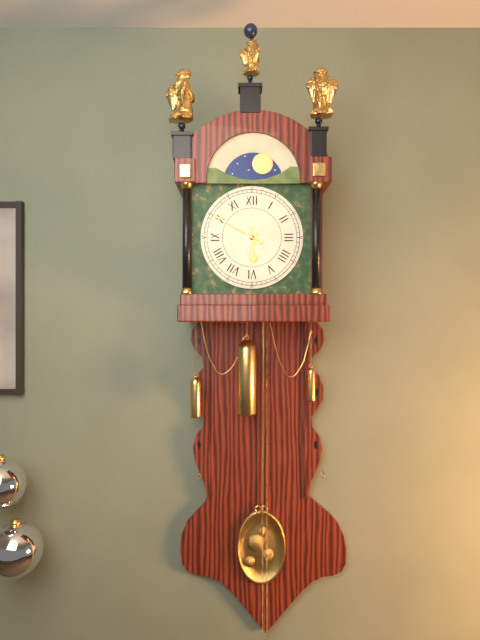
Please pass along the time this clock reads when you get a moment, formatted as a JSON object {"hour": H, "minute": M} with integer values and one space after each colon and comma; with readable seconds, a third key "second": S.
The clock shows {"hour": 5, "minute": 50}
